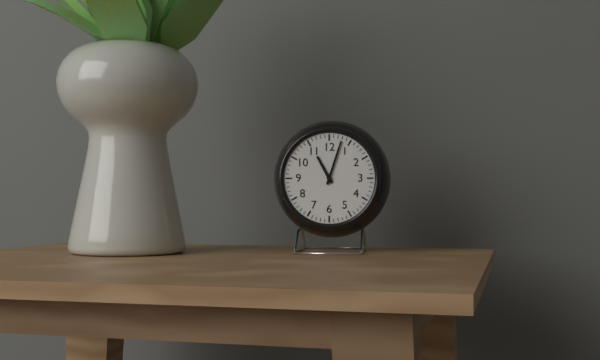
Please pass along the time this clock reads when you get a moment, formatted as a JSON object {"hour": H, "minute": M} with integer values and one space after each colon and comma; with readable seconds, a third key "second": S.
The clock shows {"hour": 11, "minute": 3}
